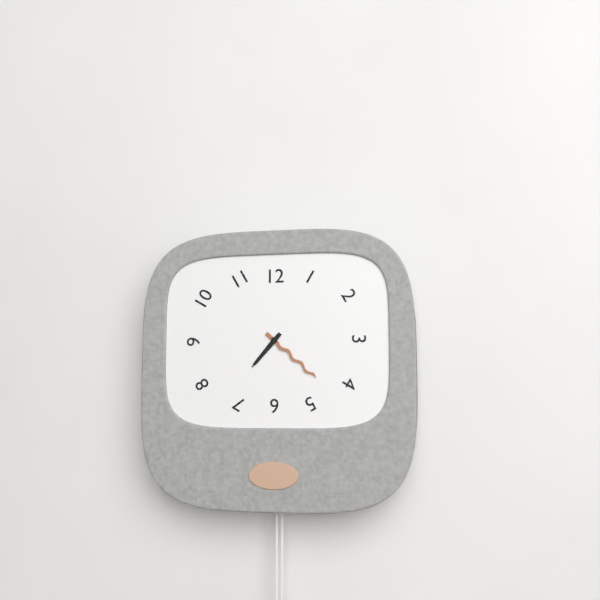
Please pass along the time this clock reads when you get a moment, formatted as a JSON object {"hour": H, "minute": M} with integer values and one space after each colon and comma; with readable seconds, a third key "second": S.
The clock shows {"hour": 7, "minute": 22}
